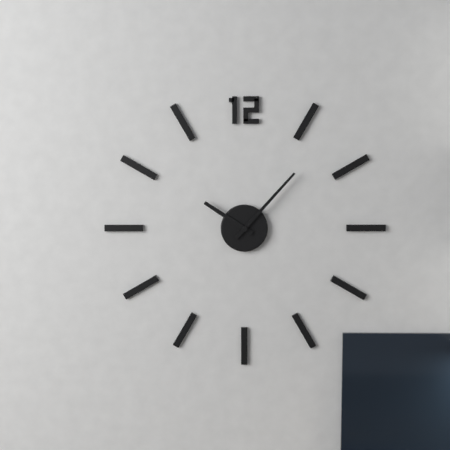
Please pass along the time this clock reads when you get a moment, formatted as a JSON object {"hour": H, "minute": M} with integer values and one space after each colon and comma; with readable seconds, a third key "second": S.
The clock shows {"hour": 10, "minute": 7}
